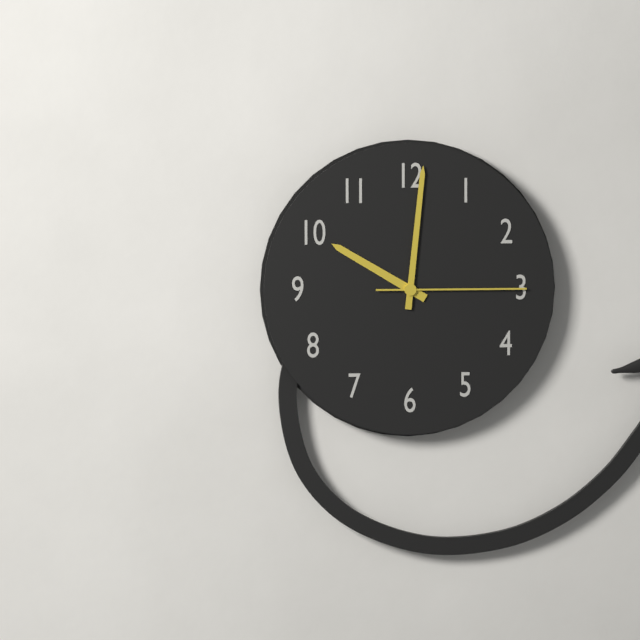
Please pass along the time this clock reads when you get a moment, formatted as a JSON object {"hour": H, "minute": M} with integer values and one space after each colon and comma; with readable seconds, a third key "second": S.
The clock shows {"hour": 10, "minute": 1, "second": 15}
